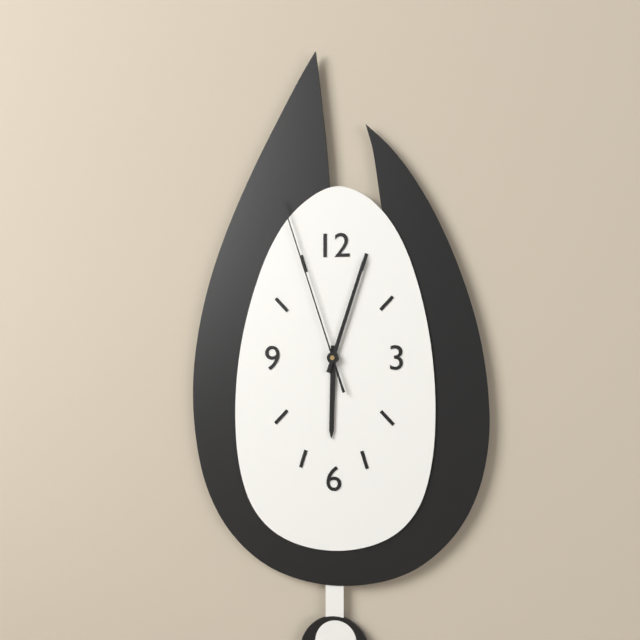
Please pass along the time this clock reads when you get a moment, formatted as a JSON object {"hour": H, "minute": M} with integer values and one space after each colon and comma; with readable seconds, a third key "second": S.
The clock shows {"hour": 6, "minute": 3, "second": 57}
